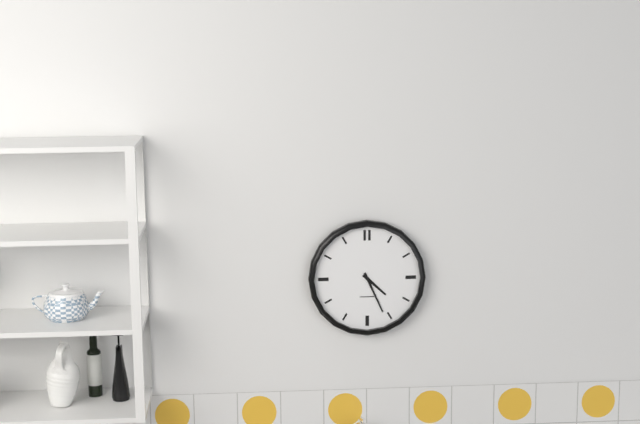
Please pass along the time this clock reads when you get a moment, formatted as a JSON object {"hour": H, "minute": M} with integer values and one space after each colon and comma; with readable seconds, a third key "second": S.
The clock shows {"hour": 4, "minute": 26}
